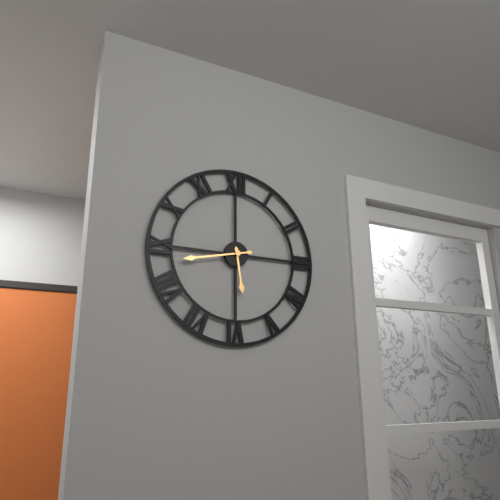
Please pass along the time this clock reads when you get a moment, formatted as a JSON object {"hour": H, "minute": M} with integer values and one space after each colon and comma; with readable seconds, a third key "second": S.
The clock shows {"hour": 5, "minute": 43}
